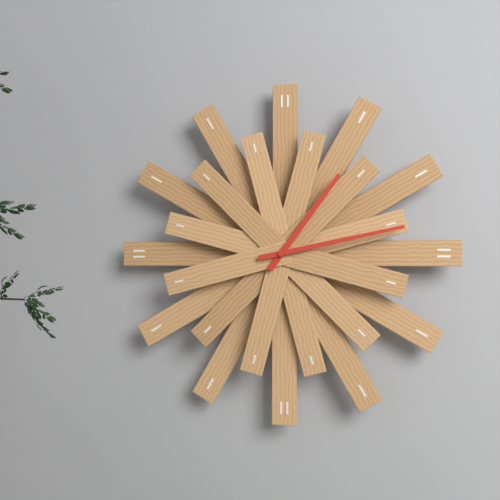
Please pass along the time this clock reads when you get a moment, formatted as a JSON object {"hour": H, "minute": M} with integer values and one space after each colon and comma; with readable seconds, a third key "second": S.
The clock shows {"hour": 1, "minute": 13}
